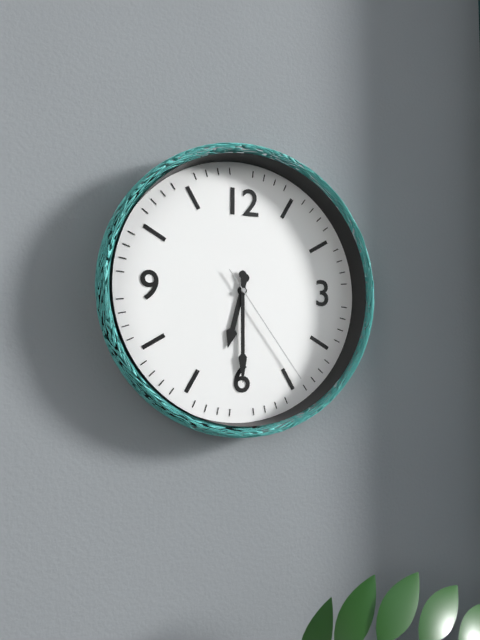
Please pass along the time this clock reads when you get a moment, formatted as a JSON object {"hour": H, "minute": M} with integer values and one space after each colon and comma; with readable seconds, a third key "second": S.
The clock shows {"hour": 6, "minute": 30, "second": 24}
